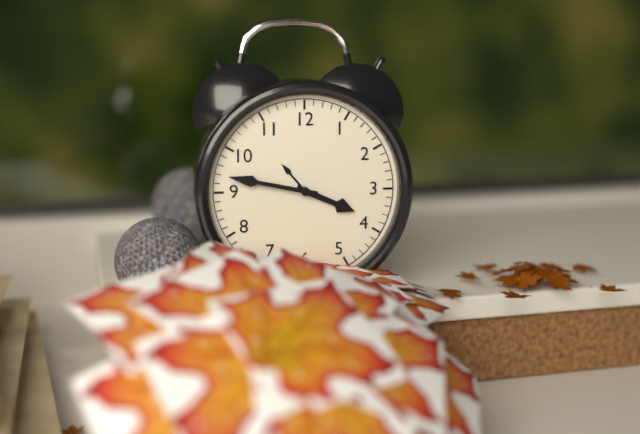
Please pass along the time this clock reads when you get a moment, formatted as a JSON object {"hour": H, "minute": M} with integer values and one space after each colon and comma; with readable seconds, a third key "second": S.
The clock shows {"hour": 3, "minute": 47}
